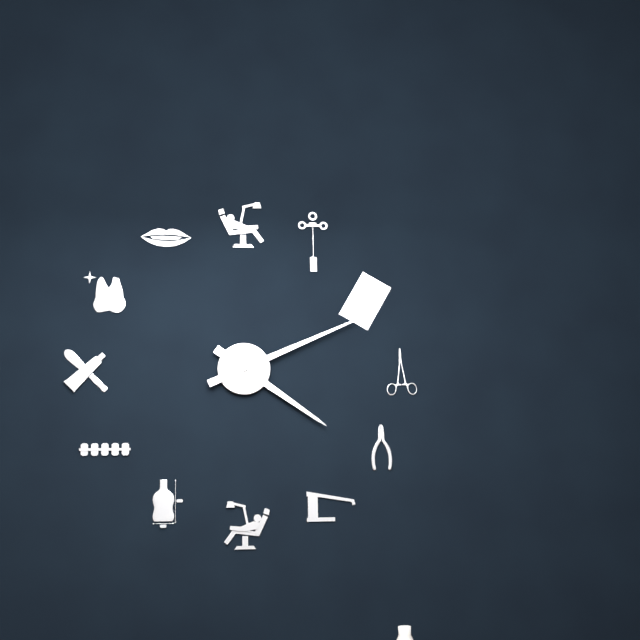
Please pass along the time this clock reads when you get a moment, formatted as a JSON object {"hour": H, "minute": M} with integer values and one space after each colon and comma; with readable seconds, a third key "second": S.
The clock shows {"hour": 4, "minute": 11}
